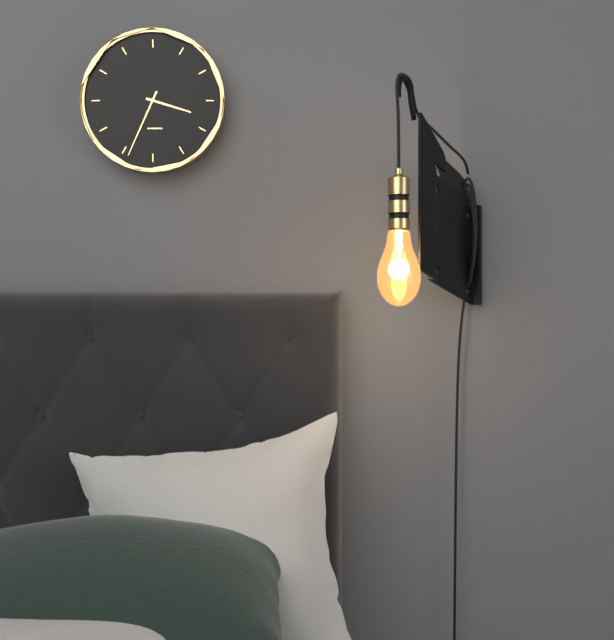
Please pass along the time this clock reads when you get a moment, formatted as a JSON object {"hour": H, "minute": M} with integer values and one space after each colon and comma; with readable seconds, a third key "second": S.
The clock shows {"hour": 3, "minute": 34}
